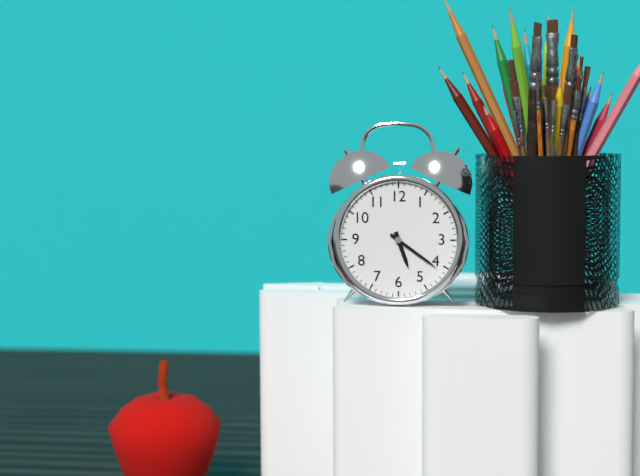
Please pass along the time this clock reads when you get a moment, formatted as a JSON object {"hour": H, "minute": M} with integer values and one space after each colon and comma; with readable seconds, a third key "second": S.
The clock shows {"hour": 5, "minute": 21}
